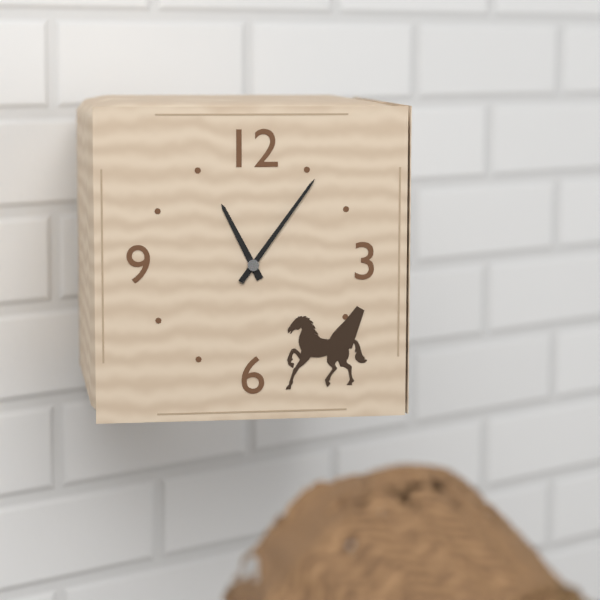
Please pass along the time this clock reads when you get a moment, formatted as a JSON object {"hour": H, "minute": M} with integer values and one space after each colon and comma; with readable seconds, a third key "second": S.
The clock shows {"hour": 11, "minute": 6}
